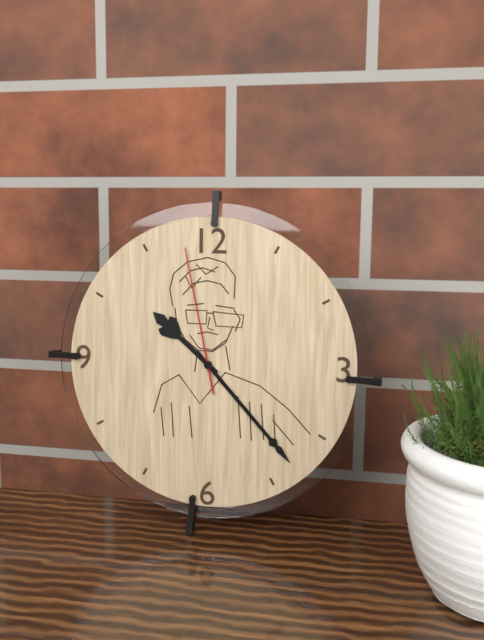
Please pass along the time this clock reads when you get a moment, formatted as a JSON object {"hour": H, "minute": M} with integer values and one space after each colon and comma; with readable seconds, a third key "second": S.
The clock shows {"hour": 10, "minute": 23, "second": 58}
